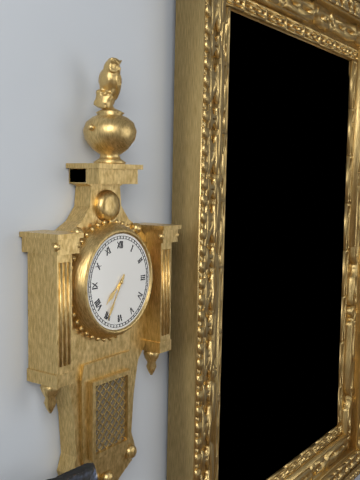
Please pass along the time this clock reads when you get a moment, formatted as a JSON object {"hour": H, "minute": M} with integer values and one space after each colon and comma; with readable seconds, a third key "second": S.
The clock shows {"hour": 7, "minute": 35}
